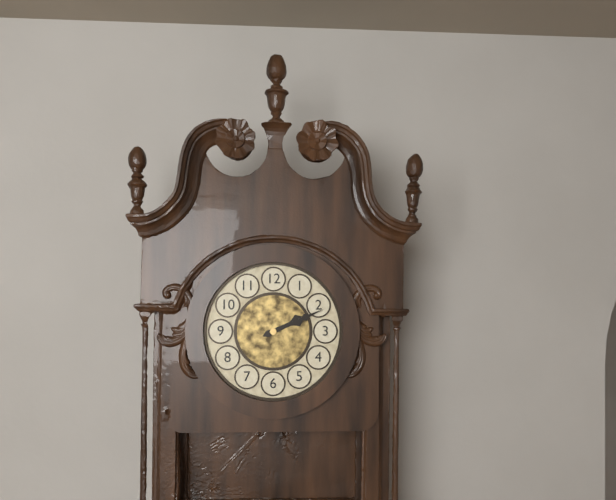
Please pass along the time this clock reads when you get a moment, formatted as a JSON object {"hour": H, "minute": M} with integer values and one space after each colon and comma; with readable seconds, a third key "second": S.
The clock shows {"hour": 2, "minute": 11}
